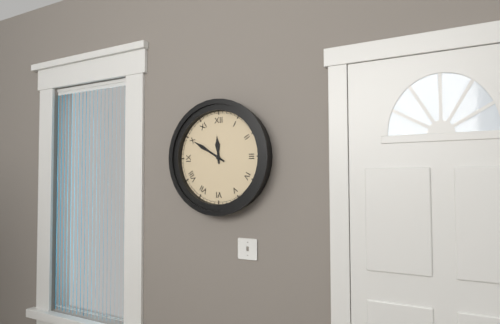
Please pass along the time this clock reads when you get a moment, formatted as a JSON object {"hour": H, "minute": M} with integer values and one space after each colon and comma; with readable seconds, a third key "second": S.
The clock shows {"hour": 11, "minute": 50}
